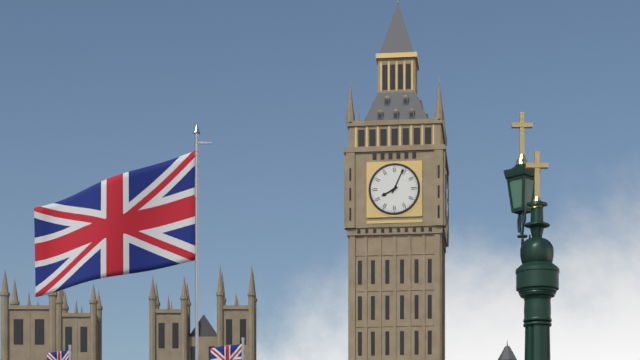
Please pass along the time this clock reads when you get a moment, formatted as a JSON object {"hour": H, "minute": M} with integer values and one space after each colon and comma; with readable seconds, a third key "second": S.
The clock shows {"hour": 8, "minute": 4}
